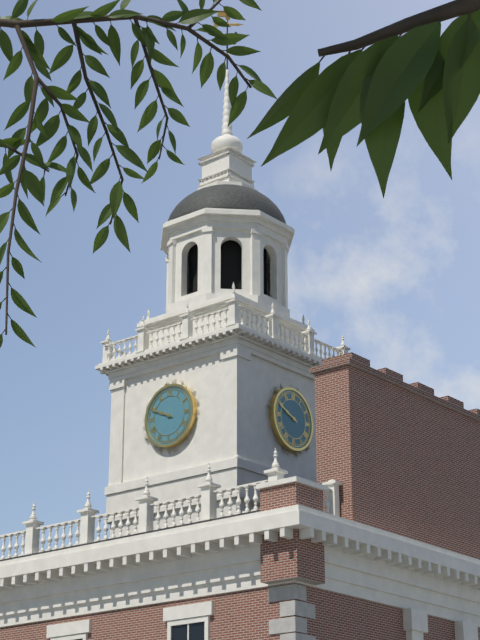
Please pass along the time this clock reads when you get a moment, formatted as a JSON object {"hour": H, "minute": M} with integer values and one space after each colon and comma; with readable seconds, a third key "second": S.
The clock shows {"hour": 9, "minute": 49}
